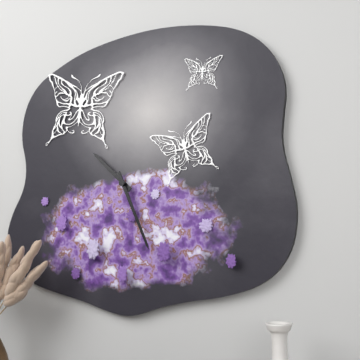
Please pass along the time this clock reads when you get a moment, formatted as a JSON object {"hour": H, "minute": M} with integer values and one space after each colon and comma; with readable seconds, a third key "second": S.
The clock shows {"hour": 10, "minute": 26}
